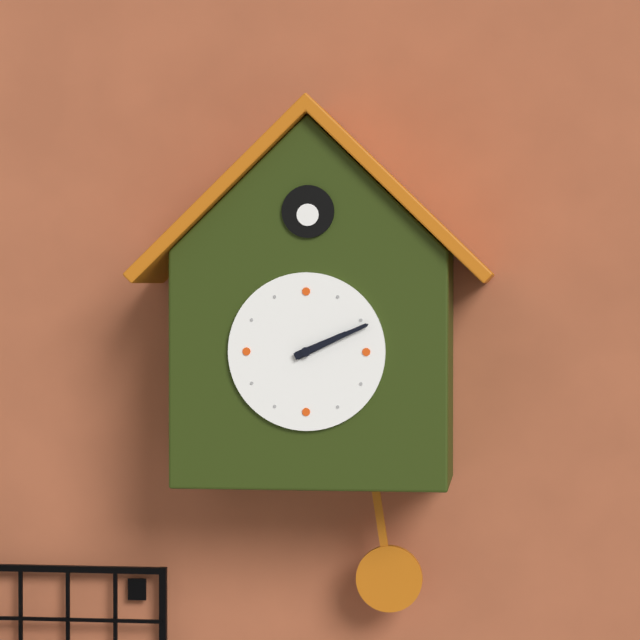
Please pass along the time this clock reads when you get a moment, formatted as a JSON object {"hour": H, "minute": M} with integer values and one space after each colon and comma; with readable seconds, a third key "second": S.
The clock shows {"hour": 2, "minute": 11}
